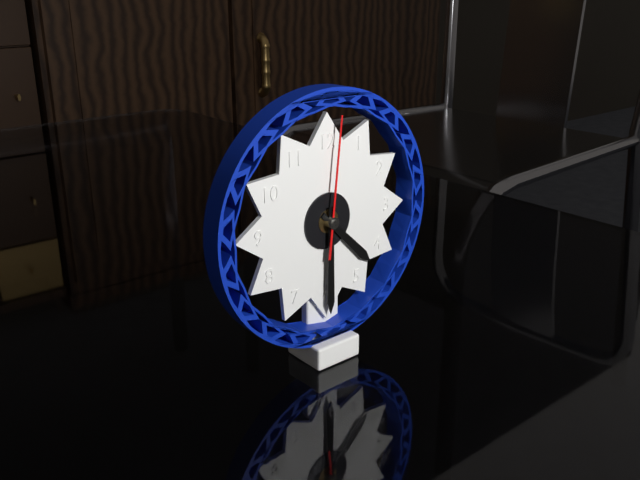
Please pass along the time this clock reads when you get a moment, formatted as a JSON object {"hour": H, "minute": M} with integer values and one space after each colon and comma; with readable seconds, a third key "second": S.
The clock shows {"hour": 4, "minute": 30, "second": 1}
